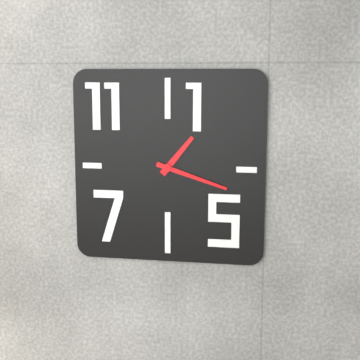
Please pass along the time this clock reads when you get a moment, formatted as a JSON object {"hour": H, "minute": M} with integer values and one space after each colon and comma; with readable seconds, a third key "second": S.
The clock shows {"hour": 1, "minute": 18}
